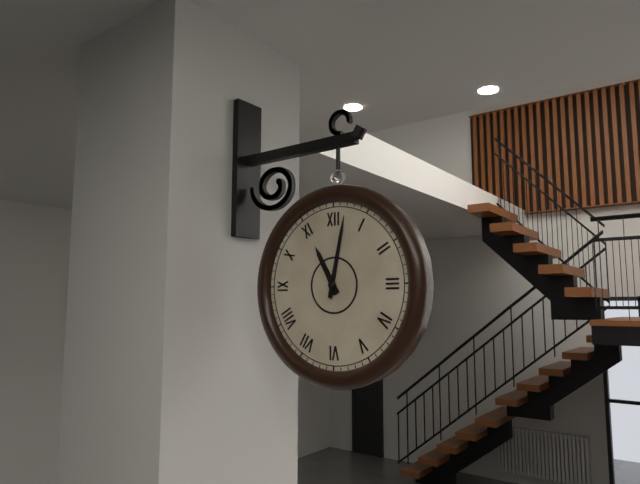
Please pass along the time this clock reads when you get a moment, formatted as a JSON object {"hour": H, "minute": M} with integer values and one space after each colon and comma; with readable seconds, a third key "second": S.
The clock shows {"hour": 11, "minute": 2}
